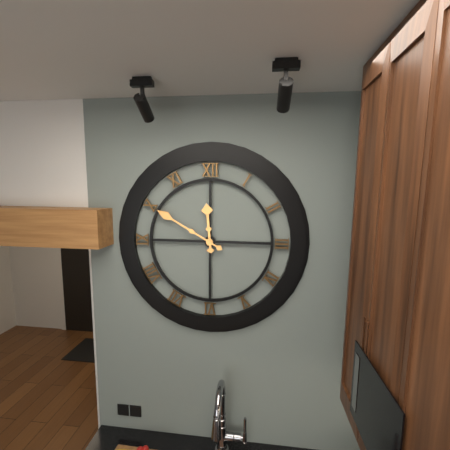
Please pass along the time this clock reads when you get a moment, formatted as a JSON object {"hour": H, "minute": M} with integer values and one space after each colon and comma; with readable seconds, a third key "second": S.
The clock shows {"hour": 11, "minute": 50}
